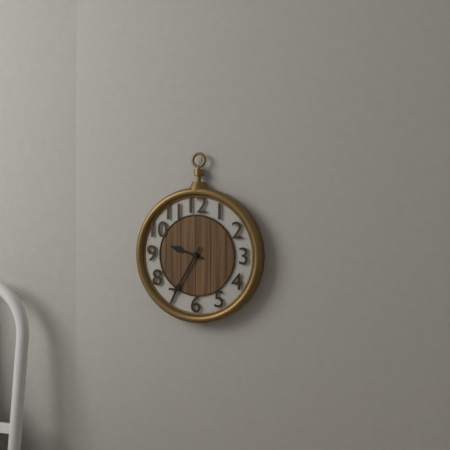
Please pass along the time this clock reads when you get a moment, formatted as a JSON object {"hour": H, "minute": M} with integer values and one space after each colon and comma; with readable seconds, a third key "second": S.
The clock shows {"hour": 9, "minute": 35}
